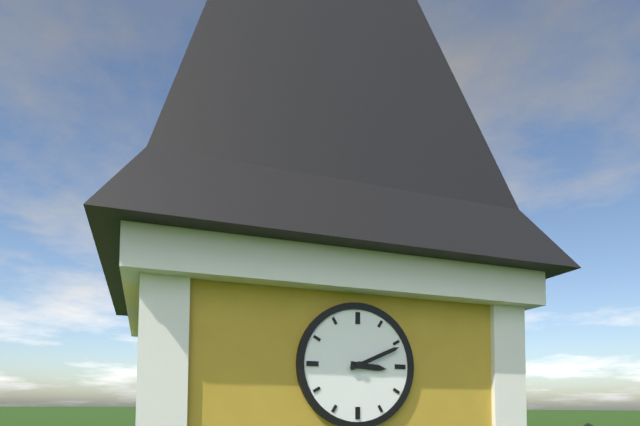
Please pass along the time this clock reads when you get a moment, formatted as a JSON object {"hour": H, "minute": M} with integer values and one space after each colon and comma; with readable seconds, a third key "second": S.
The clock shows {"hour": 3, "minute": 11}
